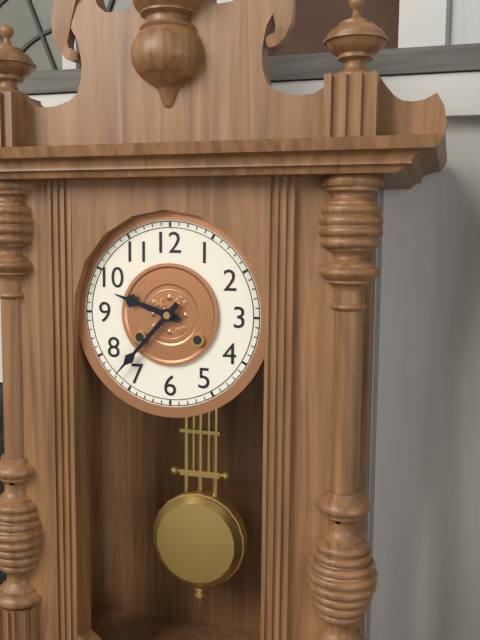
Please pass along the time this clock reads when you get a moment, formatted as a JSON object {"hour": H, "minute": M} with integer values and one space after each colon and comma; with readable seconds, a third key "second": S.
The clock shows {"hour": 9, "minute": 37}
